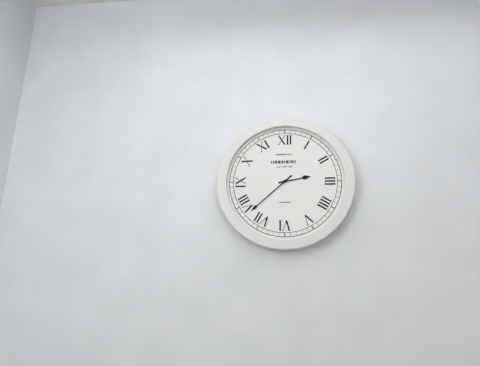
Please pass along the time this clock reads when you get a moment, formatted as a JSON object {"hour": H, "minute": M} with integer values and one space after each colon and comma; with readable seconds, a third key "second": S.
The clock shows {"hour": 2, "minute": 38}
